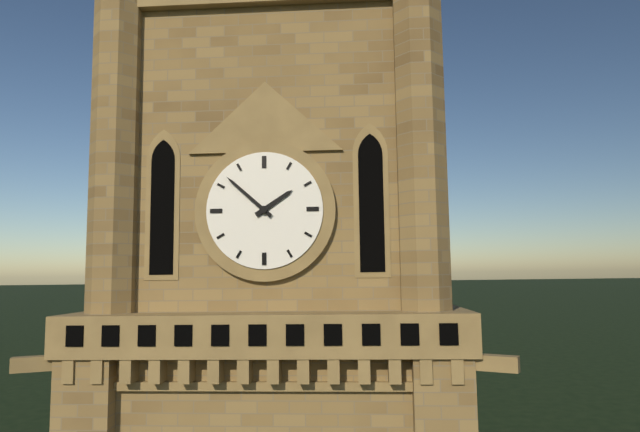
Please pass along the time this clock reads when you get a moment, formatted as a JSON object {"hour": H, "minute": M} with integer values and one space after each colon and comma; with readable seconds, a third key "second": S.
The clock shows {"hour": 1, "minute": 52}
